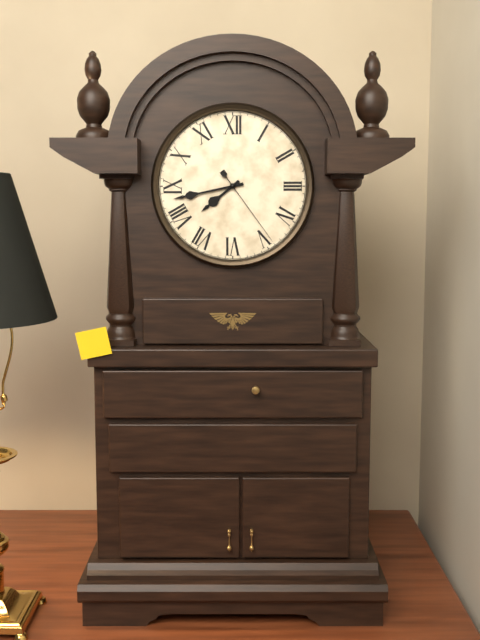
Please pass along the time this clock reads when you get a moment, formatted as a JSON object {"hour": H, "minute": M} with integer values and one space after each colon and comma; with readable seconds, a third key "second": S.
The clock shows {"hour": 7, "minute": 43, "second": 24}
